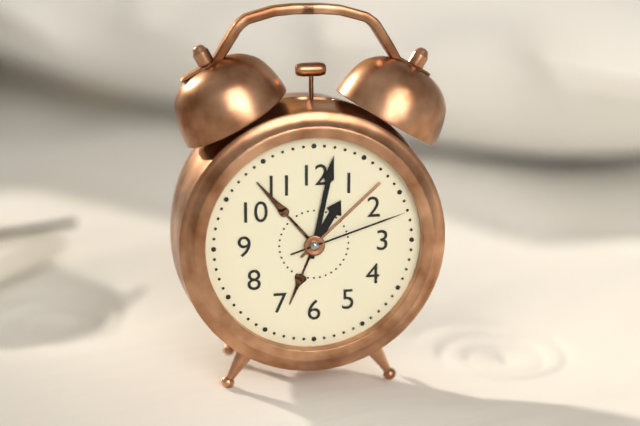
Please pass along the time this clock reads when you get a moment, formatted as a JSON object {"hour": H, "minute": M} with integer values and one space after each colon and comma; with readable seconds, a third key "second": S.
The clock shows {"hour": 1, "minute": 2, "second": 12}
